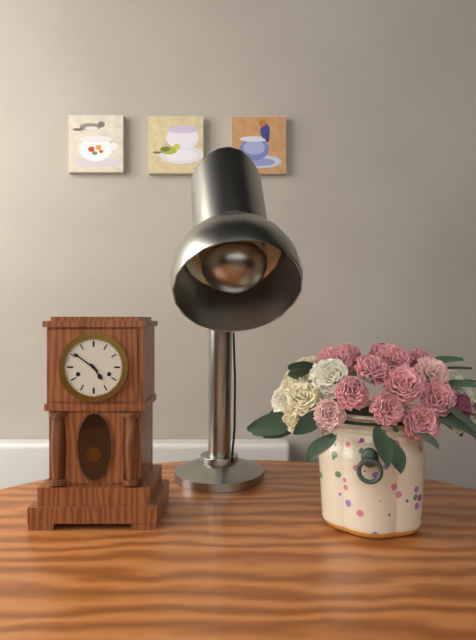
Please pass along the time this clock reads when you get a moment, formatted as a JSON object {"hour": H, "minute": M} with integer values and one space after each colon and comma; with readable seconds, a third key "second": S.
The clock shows {"hour": 4, "minute": 51}
